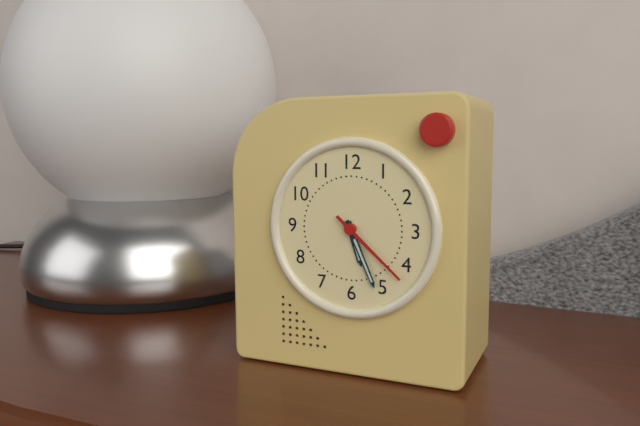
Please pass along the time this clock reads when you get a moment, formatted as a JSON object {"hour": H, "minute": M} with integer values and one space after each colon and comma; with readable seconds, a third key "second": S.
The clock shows {"hour": 5, "minute": 26, "second": 22}
